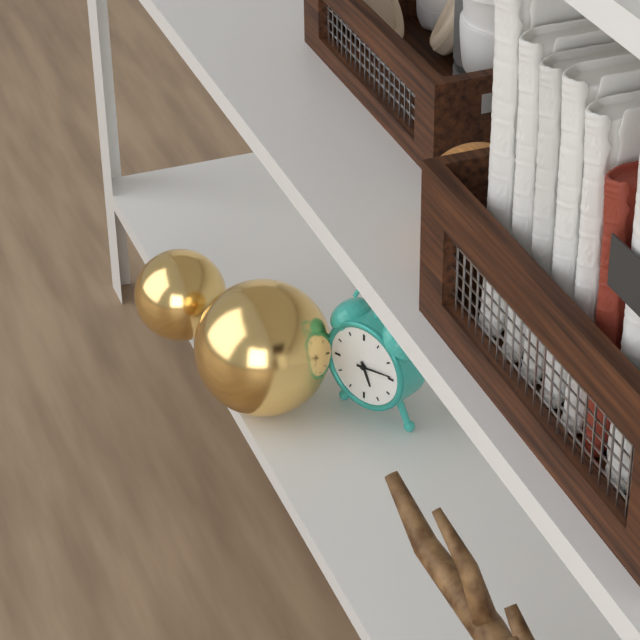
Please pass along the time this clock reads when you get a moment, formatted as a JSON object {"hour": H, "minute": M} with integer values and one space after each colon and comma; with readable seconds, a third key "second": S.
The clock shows {"hour": 5, "minute": 14}
